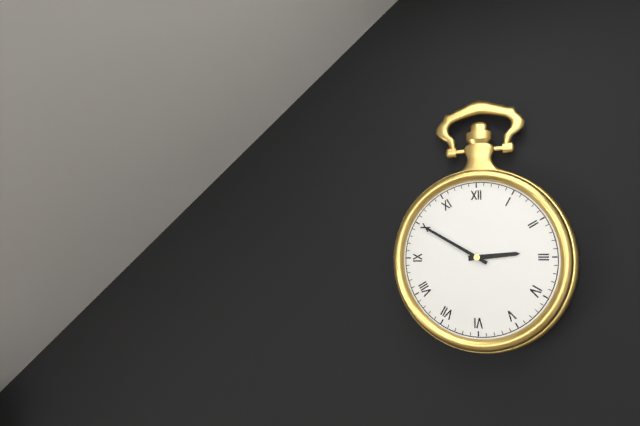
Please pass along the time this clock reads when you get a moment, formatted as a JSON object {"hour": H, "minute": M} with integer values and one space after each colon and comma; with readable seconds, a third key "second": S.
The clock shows {"hour": 2, "minute": 50}
